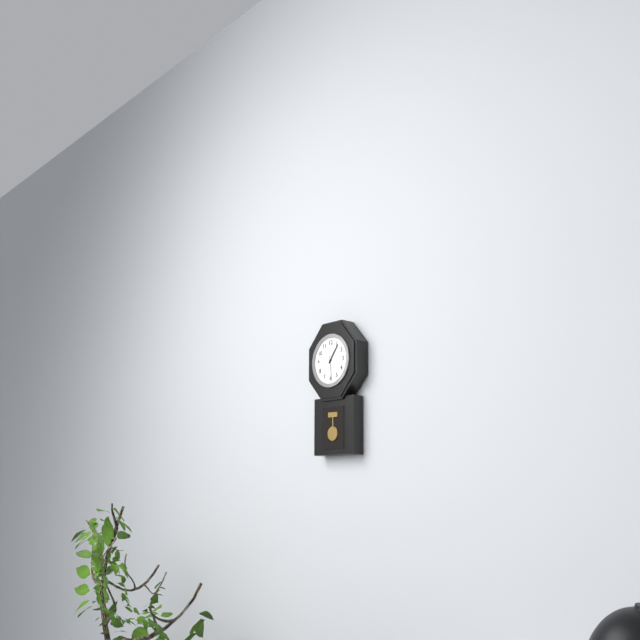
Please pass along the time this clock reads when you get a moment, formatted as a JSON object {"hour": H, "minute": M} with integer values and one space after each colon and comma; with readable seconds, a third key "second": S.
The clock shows {"hour": 1, "minute": 6}
